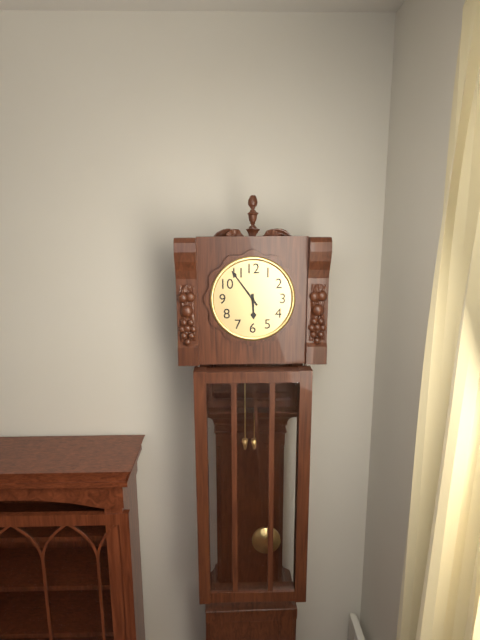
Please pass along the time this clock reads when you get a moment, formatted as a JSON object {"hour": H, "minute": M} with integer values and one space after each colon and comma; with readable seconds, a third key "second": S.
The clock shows {"hour": 5, "minute": 54}
